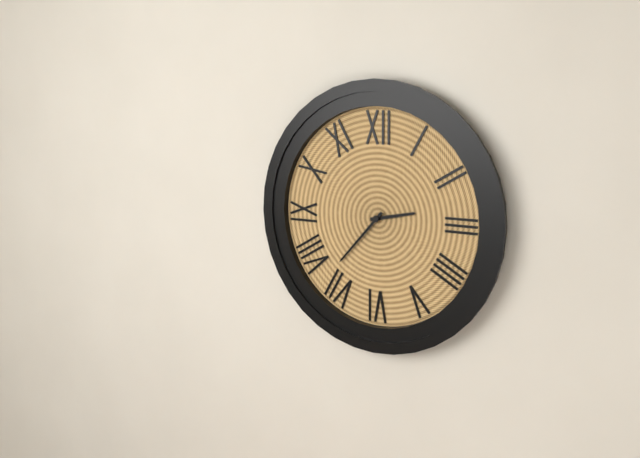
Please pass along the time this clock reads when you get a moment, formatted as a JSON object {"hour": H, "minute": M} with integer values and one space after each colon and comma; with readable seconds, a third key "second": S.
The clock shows {"hour": 2, "minute": 37}
